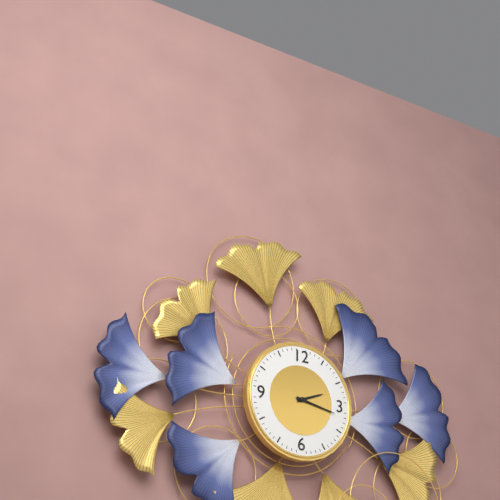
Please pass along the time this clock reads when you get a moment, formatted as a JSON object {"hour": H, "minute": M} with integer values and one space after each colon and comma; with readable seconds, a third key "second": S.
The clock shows {"hour": 2, "minute": 17}
